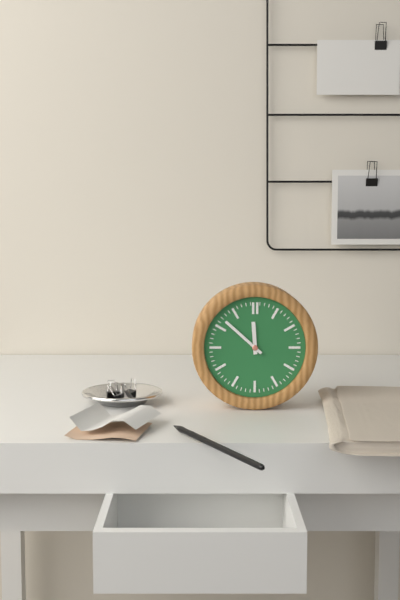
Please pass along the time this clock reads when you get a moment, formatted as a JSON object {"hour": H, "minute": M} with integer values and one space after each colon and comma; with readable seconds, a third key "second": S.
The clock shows {"hour": 11, "minute": 52}
